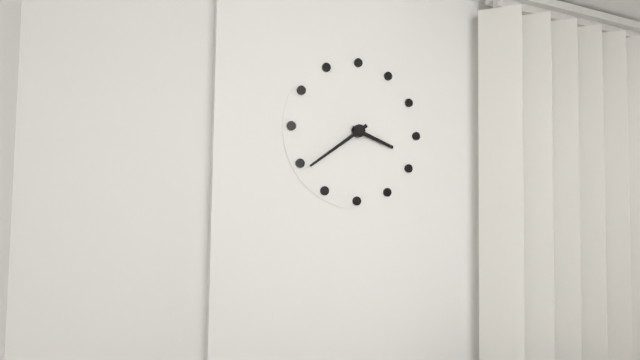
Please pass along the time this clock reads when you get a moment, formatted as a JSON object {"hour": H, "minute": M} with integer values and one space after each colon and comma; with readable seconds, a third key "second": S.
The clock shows {"hour": 3, "minute": 39}
